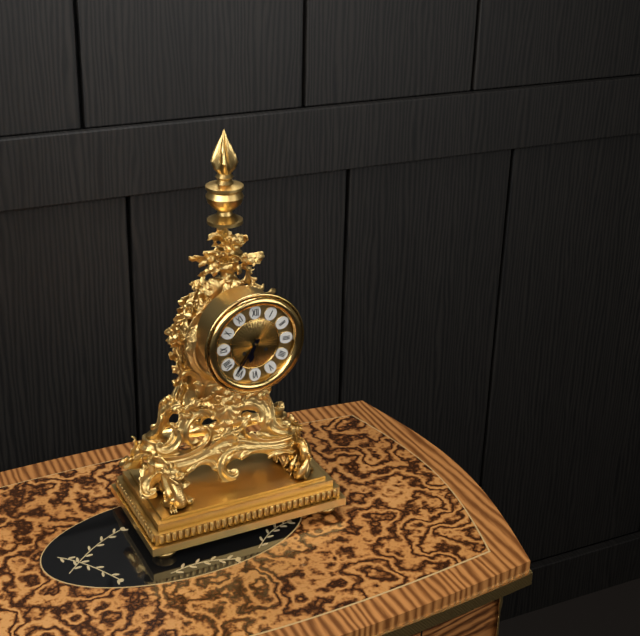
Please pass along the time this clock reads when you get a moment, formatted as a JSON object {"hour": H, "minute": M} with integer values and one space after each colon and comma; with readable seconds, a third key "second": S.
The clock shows {"hour": 6, "minute": 36}
